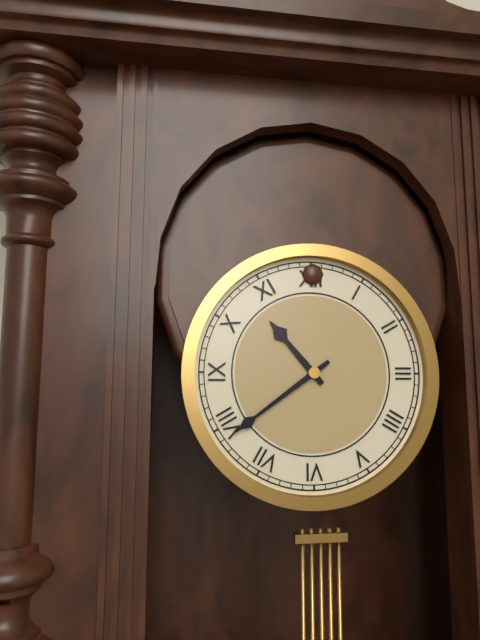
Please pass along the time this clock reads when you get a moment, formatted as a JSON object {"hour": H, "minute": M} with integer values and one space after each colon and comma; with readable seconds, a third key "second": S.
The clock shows {"hour": 10, "minute": 39}
